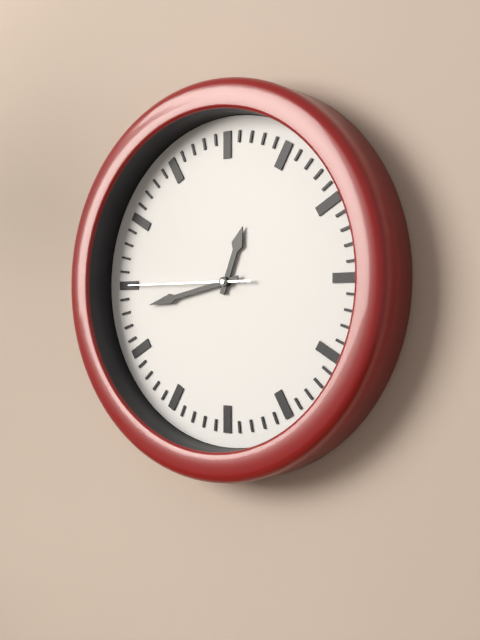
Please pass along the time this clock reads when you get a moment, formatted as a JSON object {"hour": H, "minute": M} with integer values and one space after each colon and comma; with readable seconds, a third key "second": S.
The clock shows {"hour": 12, "minute": 43, "second": 45}
